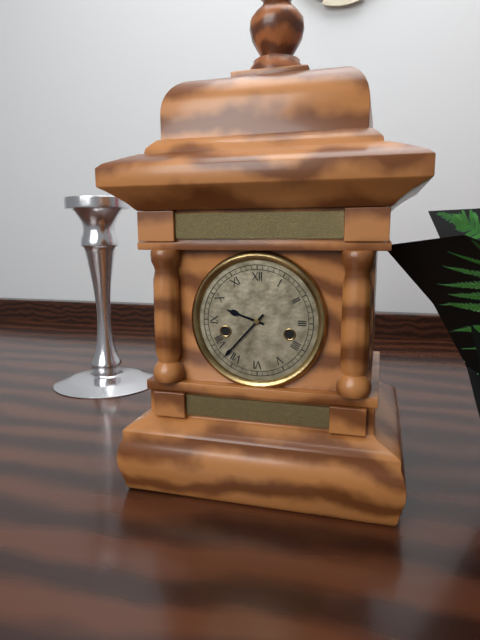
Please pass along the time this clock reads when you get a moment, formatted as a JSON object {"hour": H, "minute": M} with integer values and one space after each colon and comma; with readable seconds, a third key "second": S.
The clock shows {"hour": 9, "minute": 37}
